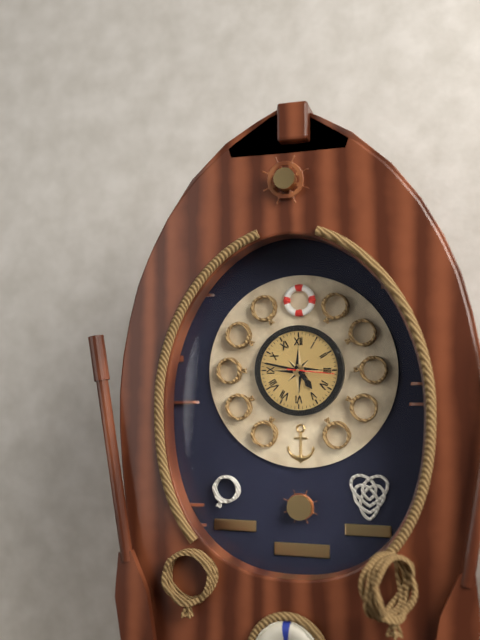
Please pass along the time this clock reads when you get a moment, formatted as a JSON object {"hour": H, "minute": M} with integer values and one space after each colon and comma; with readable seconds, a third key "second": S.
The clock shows {"hour": 4, "minute": 47}
